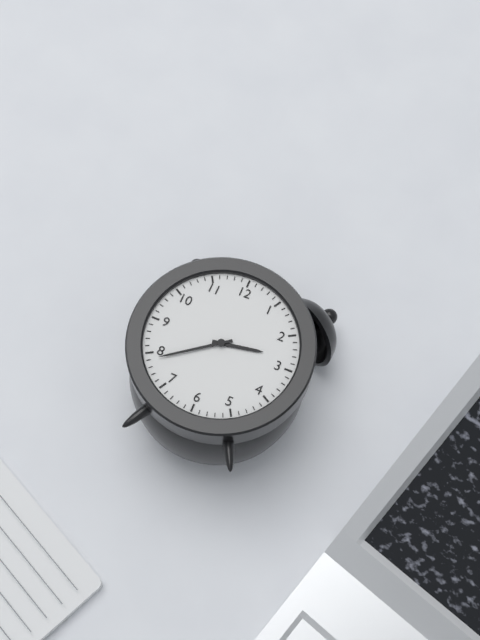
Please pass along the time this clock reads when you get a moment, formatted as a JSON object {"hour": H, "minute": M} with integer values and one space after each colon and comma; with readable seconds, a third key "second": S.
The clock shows {"hour": 2, "minute": 39}
